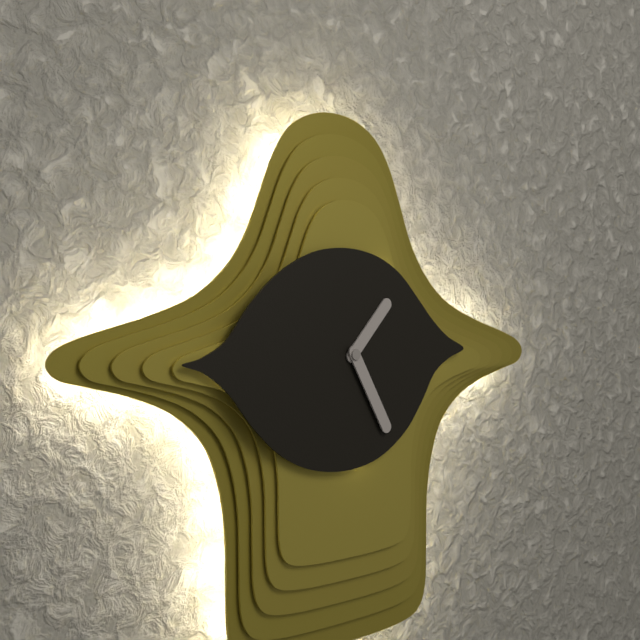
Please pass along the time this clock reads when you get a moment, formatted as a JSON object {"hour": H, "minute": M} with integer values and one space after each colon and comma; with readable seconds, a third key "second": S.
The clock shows {"hour": 1, "minute": 25}
